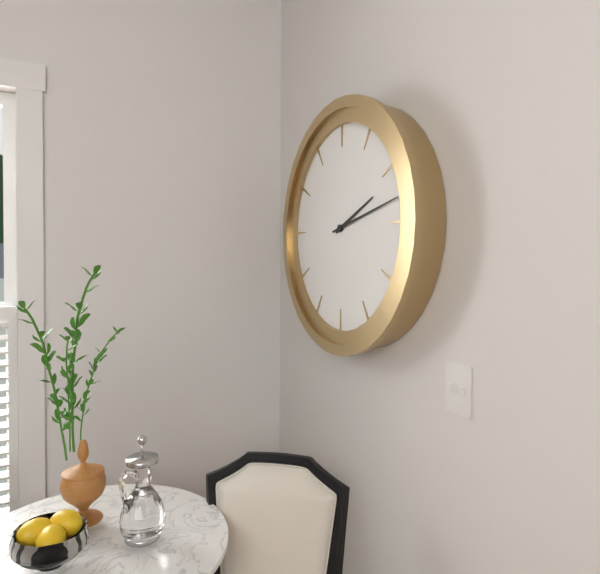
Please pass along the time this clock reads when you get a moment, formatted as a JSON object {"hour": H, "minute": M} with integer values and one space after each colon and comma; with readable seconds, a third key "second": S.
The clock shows {"hour": 2, "minute": 13}
